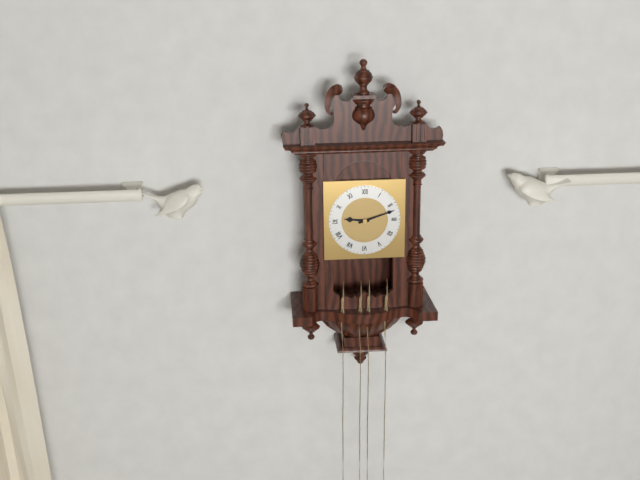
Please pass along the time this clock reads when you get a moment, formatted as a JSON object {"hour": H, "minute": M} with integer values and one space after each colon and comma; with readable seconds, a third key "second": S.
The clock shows {"hour": 9, "minute": 12}
